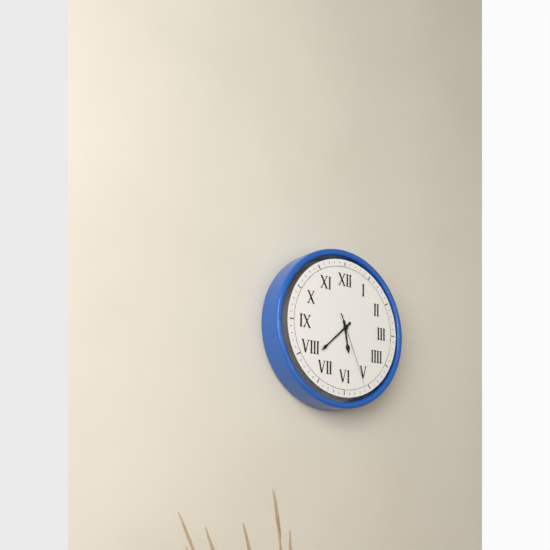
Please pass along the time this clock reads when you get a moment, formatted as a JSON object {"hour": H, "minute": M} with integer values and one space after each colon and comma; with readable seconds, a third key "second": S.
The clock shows {"hour": 5, "minute": 38, "second": 26}
